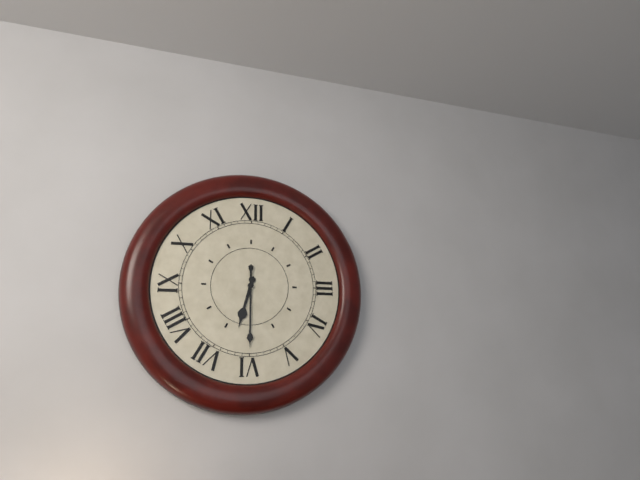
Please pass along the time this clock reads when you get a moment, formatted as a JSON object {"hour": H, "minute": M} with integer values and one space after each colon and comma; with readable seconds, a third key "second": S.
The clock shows {"hour": 6, "minute": 30}
